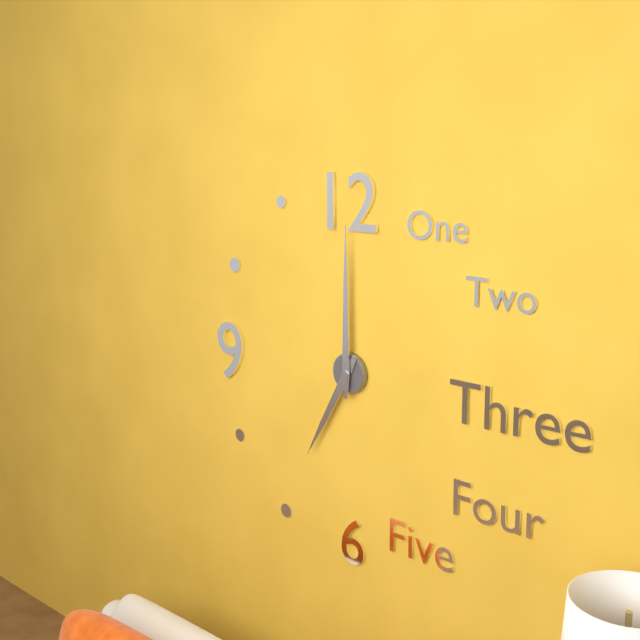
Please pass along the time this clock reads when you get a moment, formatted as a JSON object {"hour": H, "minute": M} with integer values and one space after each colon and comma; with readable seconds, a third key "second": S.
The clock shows {"hour": 7, "minute": 0}
